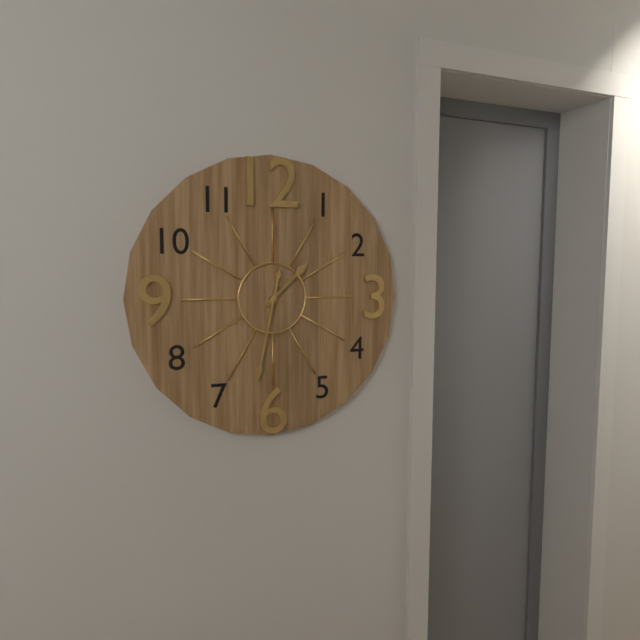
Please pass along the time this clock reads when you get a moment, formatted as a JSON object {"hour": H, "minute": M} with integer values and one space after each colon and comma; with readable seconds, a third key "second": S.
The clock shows {"hour": 1, "minute": 32}
